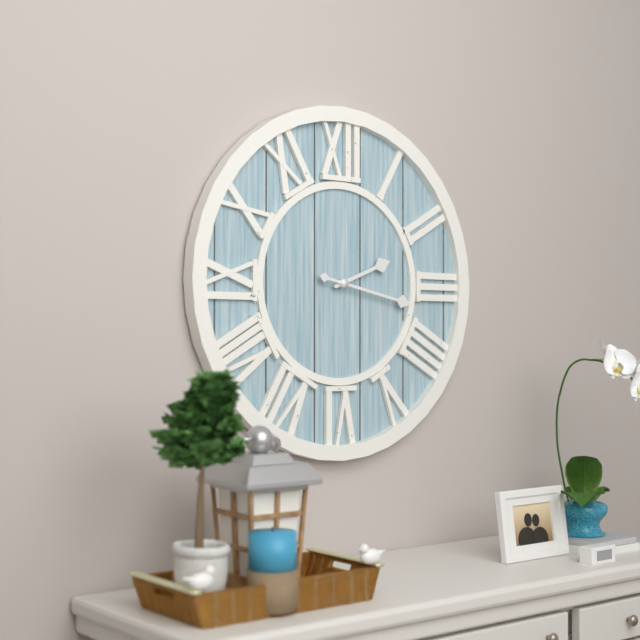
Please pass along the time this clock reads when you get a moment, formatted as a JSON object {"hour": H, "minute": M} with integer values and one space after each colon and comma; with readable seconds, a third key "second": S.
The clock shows {"hour": 2, "minute": 17}
